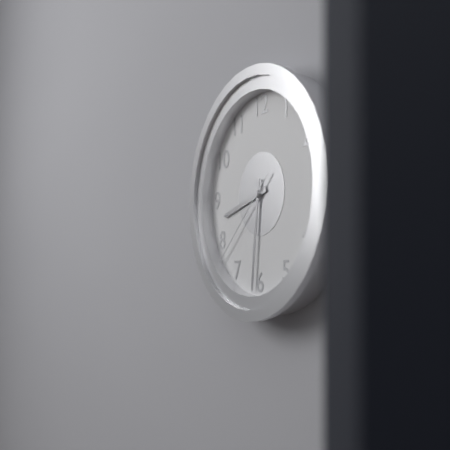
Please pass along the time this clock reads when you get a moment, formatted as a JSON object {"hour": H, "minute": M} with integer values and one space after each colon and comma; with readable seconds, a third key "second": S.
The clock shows {"hour": 8, "minute": 31, "second": 38}
